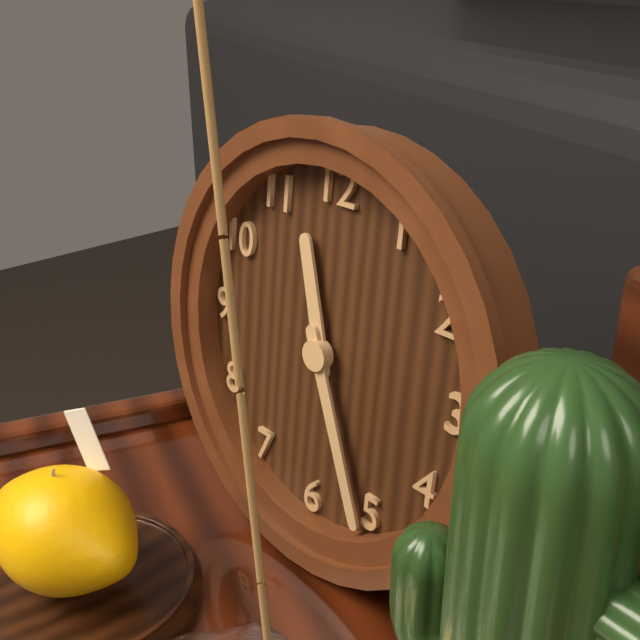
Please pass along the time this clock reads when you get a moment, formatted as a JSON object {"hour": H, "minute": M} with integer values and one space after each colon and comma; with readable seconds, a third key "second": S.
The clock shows {"hour": 11, "minute": 26}
